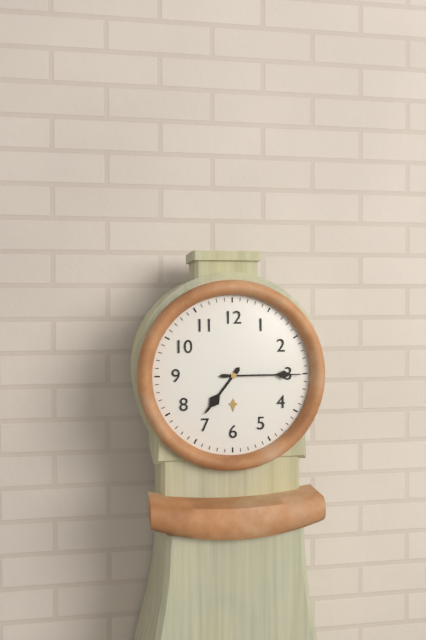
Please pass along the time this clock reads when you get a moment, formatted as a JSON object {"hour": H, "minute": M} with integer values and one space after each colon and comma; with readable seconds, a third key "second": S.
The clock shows {"hour": 7, "minute": 15}
